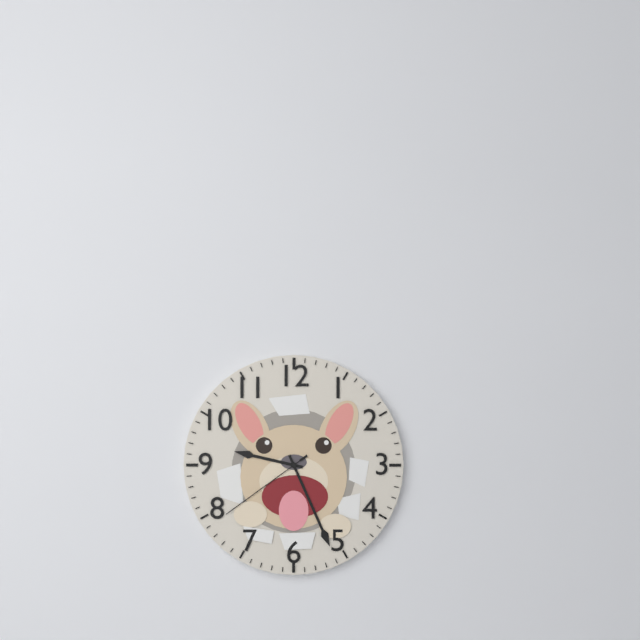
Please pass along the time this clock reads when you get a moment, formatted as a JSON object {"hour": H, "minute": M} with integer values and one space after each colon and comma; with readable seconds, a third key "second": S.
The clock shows {"hour": 9, "minute": 26, "second": 39}
